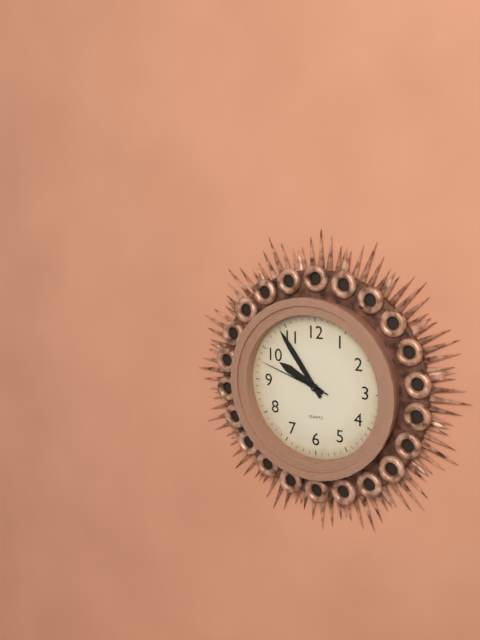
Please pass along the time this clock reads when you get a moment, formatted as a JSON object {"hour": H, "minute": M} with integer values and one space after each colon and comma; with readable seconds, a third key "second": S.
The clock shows {"hour": 9, "minute": 54, "second": 48}
